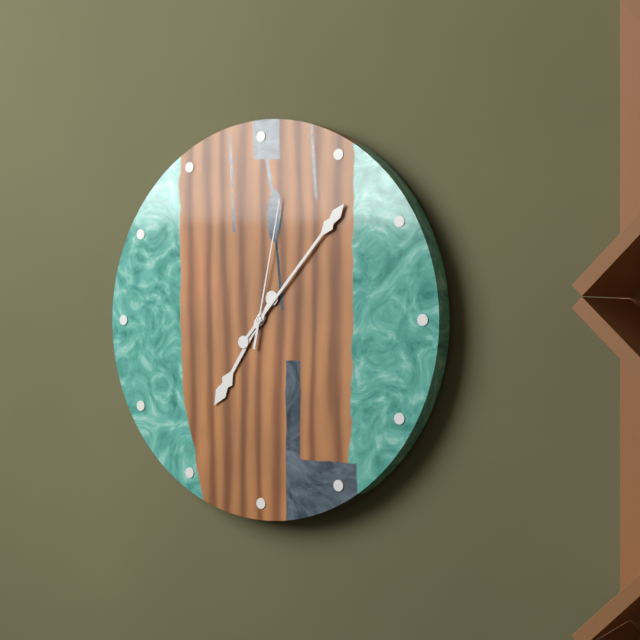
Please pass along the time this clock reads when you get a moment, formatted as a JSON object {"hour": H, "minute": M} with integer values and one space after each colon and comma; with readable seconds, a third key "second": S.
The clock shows {"hour": 7, "minute": 7, "second": 2}
